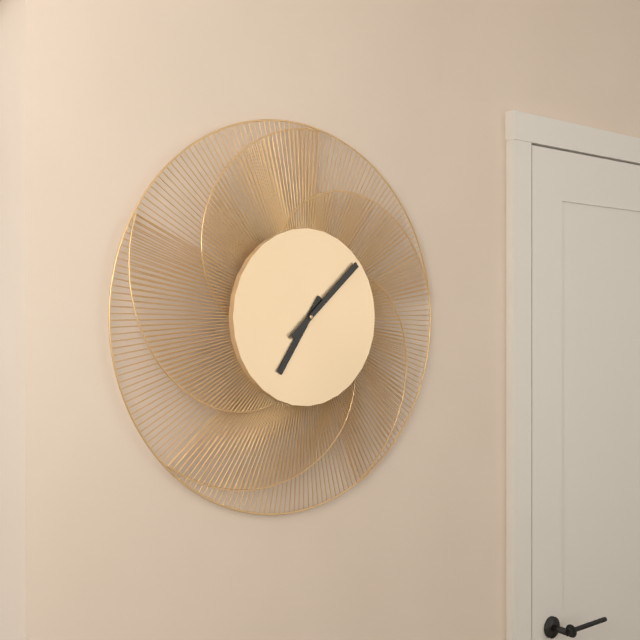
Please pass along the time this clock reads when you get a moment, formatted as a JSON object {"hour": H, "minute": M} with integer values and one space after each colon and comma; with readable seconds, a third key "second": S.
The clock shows {"hour": 7, "minute": 8}
